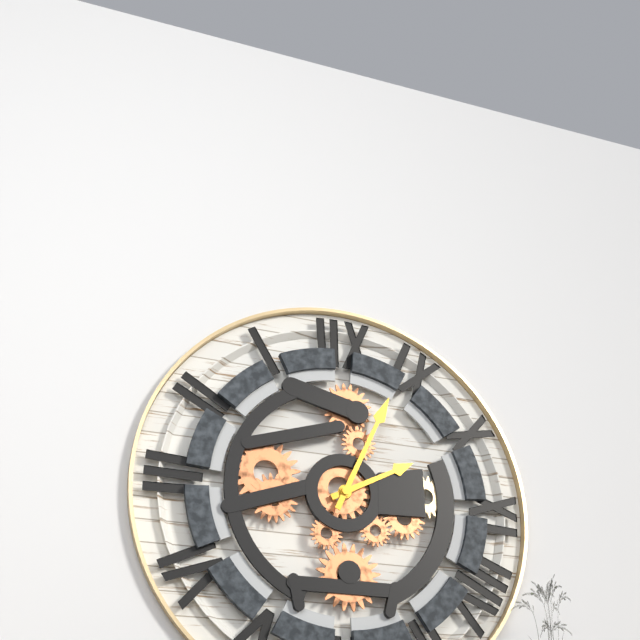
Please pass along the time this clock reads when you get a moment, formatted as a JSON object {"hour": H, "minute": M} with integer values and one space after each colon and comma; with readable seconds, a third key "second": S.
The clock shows {"hour": 2, "minute": 4}
